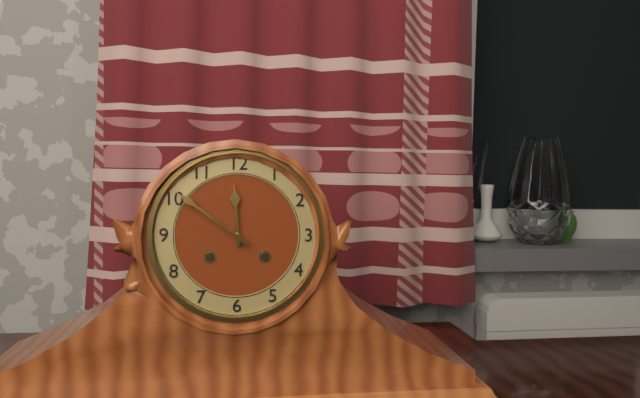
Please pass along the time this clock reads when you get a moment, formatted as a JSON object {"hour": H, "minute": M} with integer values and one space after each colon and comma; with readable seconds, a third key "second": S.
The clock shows {"hour": 11, "minute": 51}
